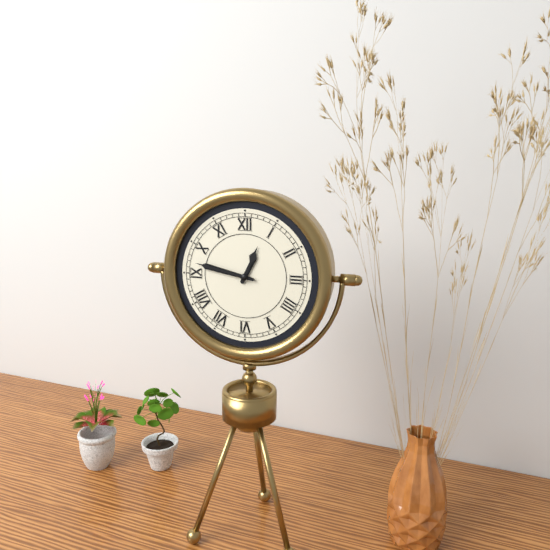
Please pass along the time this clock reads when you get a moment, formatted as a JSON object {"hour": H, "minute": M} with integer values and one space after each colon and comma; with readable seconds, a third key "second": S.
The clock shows {"hour": 12, "minute": 47}
